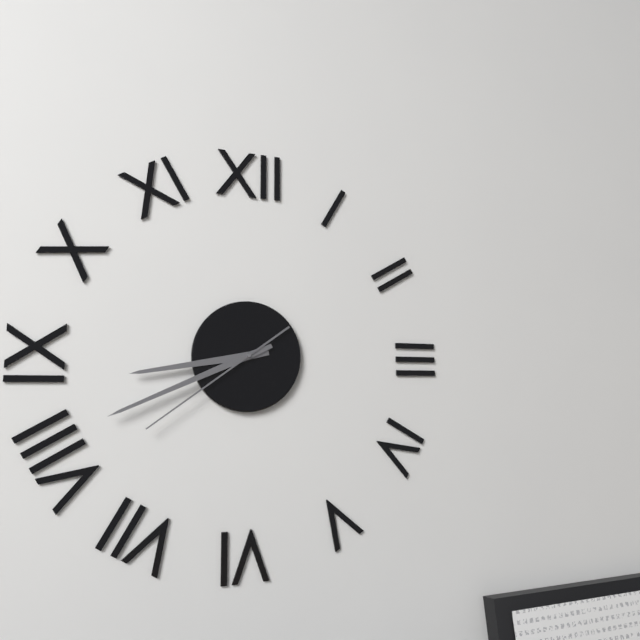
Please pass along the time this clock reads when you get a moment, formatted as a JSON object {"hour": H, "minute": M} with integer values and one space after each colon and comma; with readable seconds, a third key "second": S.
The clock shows {"hour": 8, "minute": 41, "second": 39}
